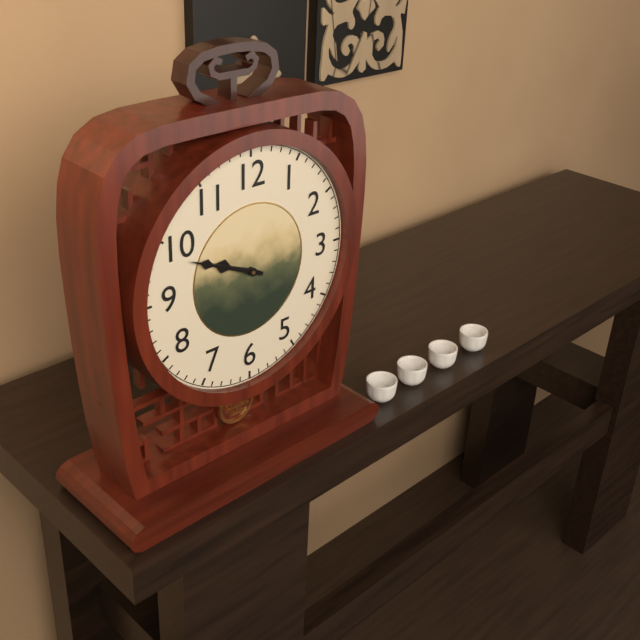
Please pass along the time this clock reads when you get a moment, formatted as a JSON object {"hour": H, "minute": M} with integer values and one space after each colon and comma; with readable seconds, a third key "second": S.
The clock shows {"hour": 9, "minute": 49}
